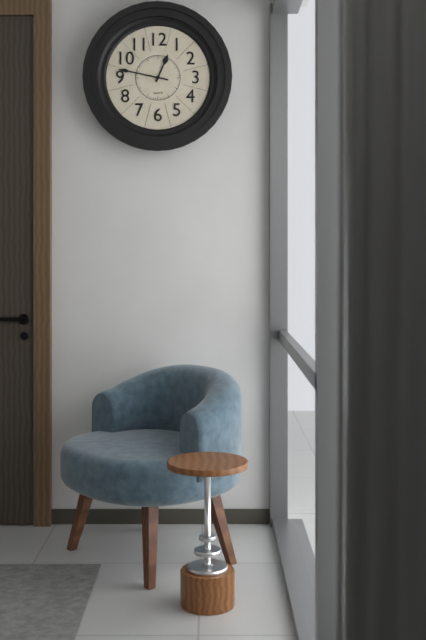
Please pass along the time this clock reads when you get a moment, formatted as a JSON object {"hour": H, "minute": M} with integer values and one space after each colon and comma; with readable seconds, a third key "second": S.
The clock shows {"hour": 12, "minute": 47}
